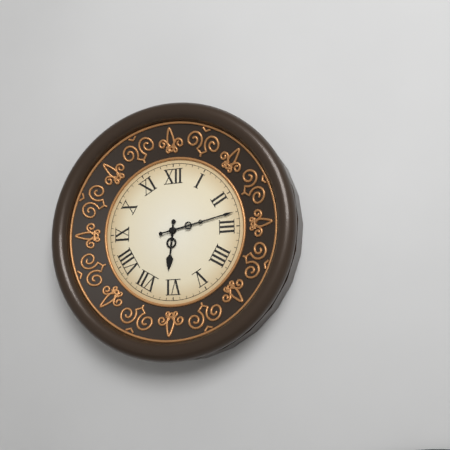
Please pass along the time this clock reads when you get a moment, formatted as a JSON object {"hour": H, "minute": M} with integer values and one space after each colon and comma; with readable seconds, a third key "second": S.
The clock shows {"hour": 6, "minute": 13}
